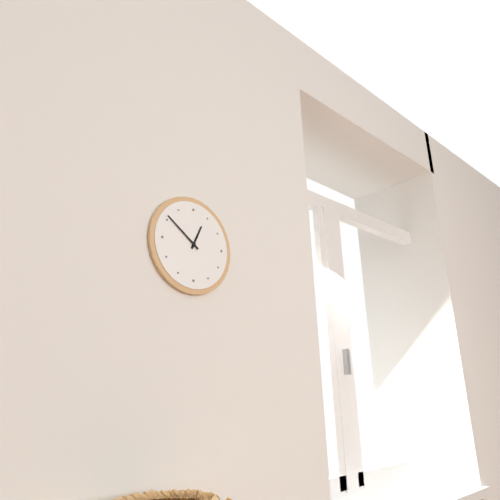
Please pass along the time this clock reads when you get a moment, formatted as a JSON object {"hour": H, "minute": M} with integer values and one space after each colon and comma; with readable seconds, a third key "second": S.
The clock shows {"hour": 12, "minute": 51}
